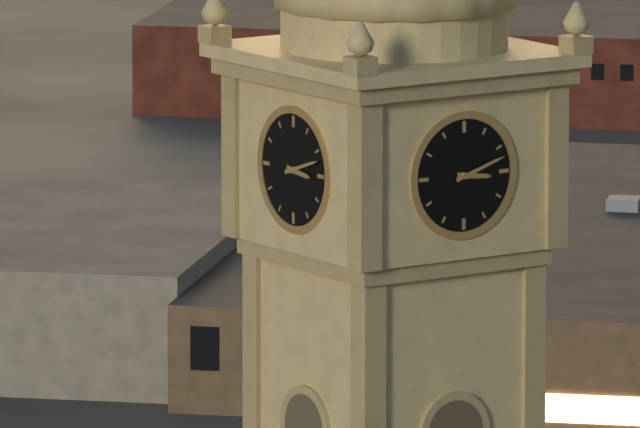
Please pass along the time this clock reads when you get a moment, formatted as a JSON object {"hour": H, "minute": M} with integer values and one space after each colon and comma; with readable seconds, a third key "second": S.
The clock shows {"hour": 3, "minute": 12}
